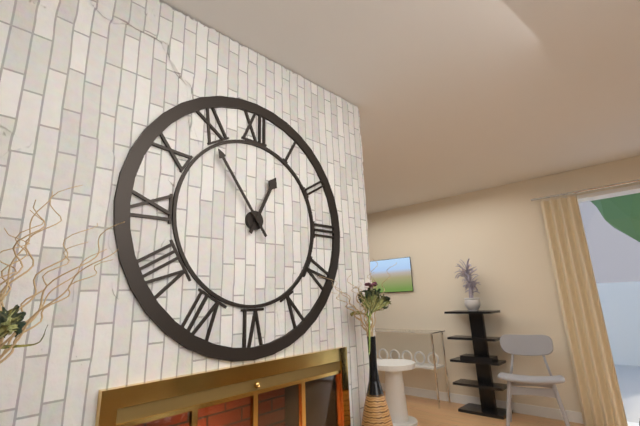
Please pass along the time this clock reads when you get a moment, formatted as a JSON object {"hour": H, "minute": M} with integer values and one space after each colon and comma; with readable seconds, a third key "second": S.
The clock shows {"hour": 12, "minute": 54}
